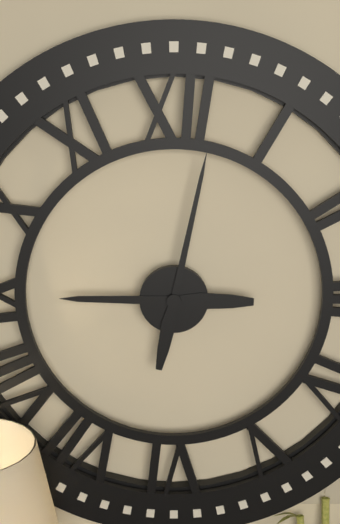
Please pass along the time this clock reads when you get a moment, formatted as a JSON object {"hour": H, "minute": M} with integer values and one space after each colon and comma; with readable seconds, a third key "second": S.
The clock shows {"hour": 9, "minute": 2}
